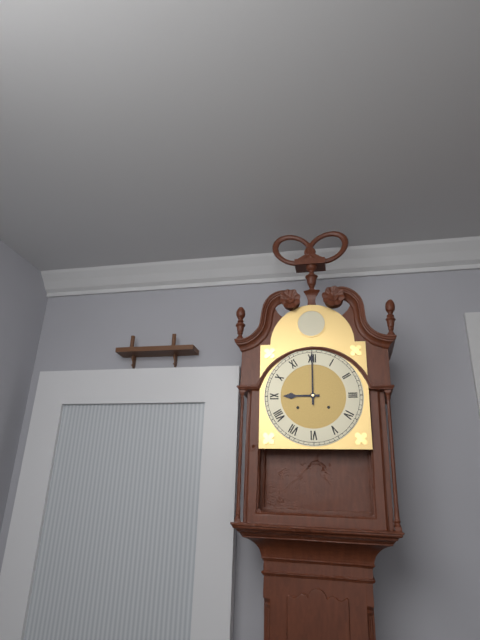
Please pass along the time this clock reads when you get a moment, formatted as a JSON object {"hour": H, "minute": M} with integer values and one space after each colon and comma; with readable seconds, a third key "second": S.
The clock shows {"hour": 9, "minute": 0}
